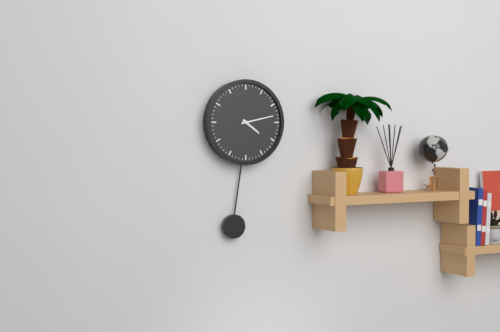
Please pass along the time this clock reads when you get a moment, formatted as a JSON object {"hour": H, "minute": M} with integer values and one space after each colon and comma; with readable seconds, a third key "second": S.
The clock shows {"hour": 4, "minute": 13}
